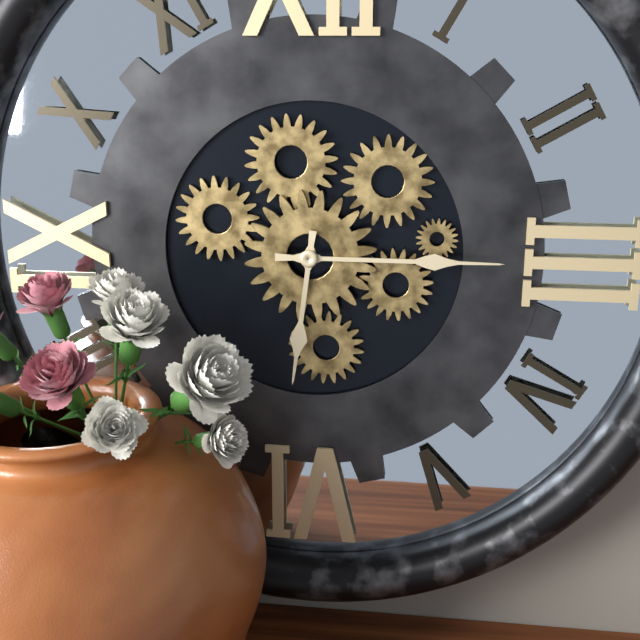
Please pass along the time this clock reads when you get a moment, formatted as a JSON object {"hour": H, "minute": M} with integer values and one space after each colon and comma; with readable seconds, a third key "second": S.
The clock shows {"hour": 6, "minute": 15}
